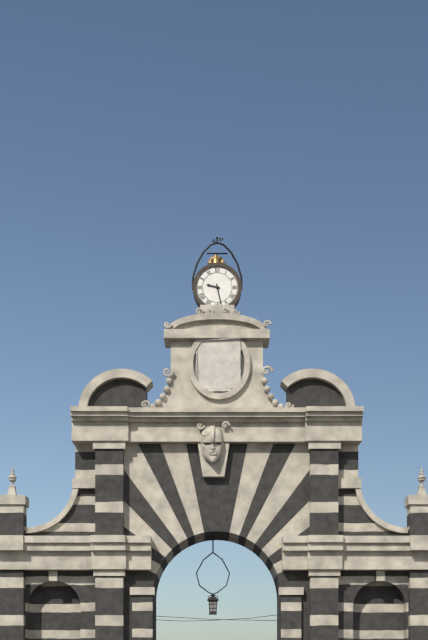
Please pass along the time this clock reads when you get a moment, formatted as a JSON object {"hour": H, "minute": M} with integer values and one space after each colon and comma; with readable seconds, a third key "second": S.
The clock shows {"hour": 9, "minute": 28}
